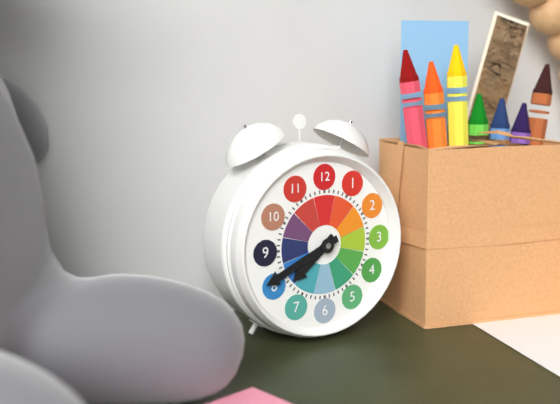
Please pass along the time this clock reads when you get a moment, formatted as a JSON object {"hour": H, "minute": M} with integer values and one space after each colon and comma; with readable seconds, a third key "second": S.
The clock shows {"hour": 7, "minute": 41}
